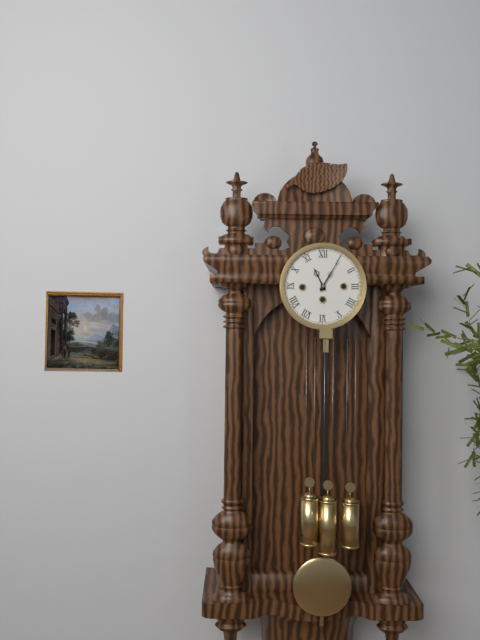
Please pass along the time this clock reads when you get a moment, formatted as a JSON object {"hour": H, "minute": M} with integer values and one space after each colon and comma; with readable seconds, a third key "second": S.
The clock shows {"hour": 11, "minute": 5}
